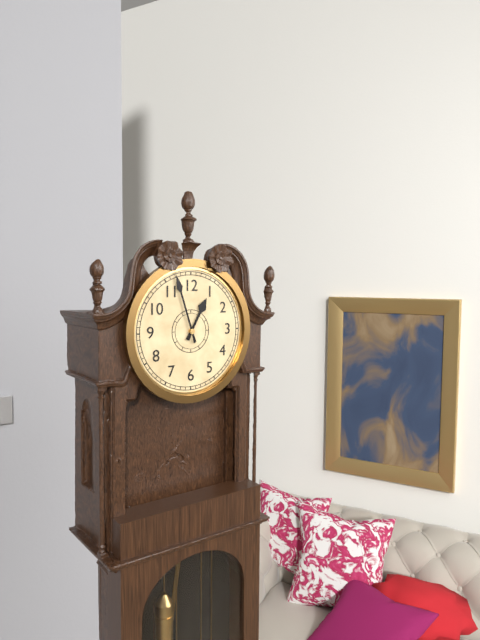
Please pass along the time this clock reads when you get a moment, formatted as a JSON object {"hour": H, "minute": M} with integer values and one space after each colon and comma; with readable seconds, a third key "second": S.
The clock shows {"hour": 12, "minute": 57}
